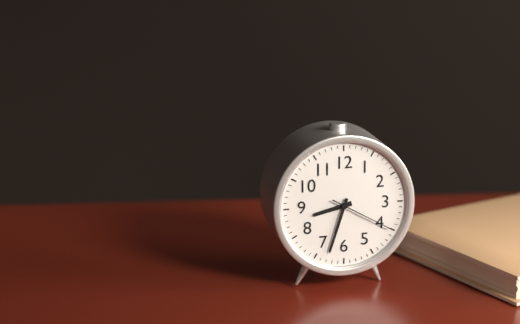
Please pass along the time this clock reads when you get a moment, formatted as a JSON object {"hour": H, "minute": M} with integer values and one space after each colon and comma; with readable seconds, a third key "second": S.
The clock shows {"hour": 8, "minute": 33, "second": 20}
